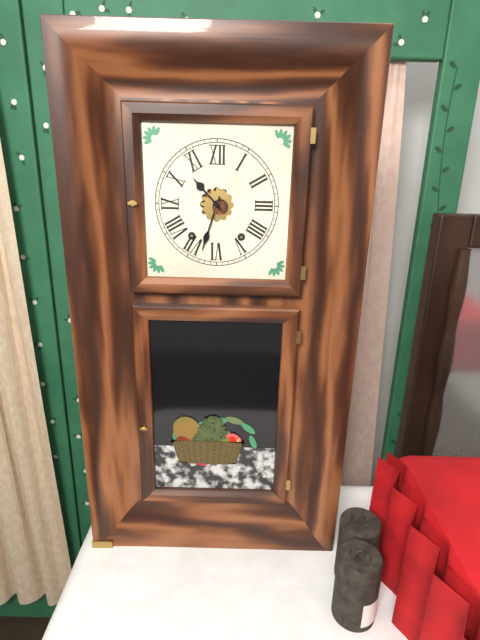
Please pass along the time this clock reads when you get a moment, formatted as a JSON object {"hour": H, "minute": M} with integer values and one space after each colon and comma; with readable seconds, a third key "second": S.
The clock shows {"hour": 10, "minute": 33}
